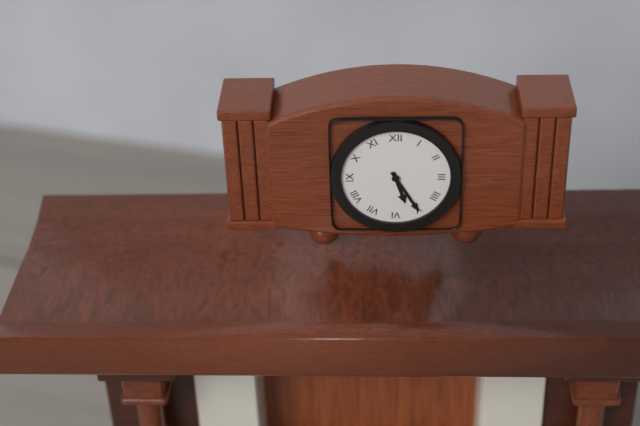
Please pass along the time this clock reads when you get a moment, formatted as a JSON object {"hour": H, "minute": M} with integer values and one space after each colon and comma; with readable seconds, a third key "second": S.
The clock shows {"hour": 5, "minute": 25}
